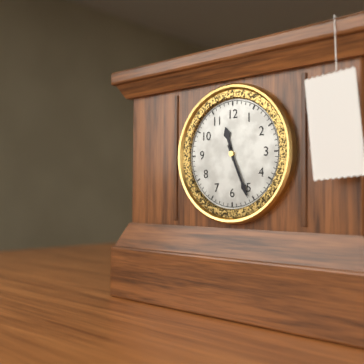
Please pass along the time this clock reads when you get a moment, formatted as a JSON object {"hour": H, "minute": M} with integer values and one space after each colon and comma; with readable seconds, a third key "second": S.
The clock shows {"hour": 11, "minute": 26}
